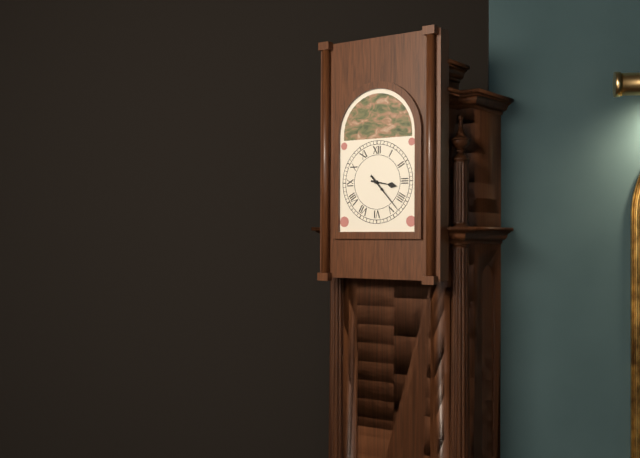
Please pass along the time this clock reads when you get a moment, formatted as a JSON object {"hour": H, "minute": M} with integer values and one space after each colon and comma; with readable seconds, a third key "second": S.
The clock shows {"hour": 3, "minute": 23}
